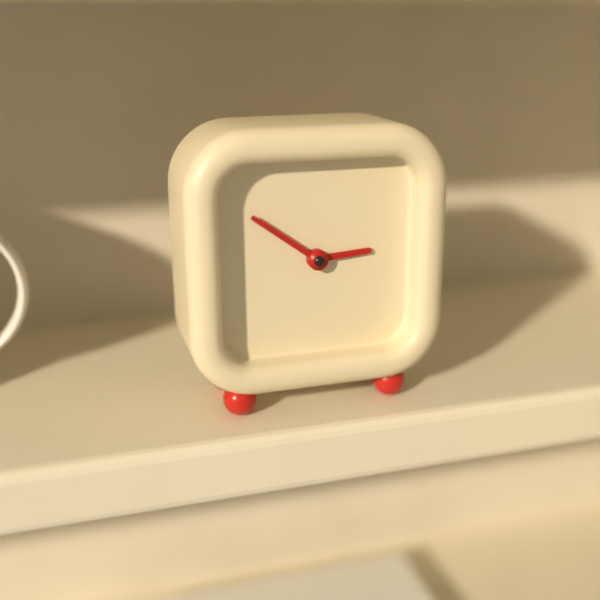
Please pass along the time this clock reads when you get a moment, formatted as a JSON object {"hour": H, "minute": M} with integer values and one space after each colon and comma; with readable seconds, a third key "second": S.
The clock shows {"hour": 2, "minute": 51}
